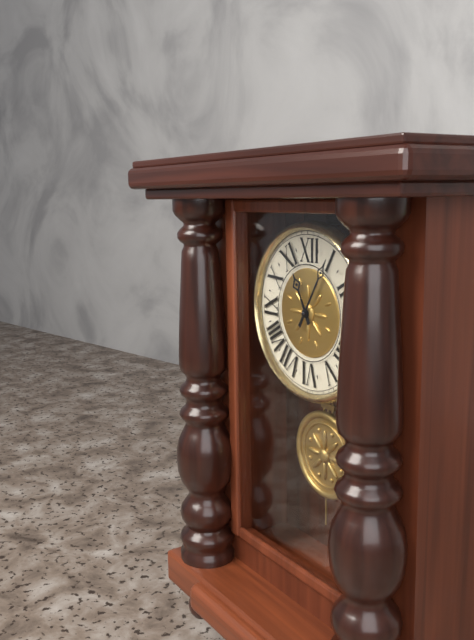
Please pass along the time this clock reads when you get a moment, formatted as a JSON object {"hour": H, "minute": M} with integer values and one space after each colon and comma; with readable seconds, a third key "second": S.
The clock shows {"hour": 11, "minute": 5}
